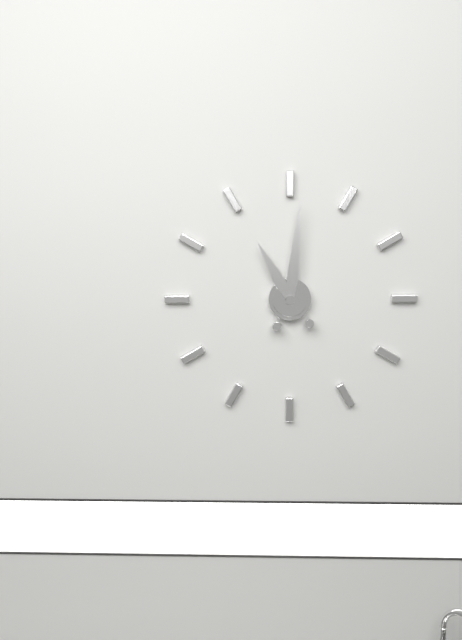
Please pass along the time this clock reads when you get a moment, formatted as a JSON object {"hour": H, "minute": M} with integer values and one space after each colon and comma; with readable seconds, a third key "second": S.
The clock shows {"hour": 11, "minute": 1}
